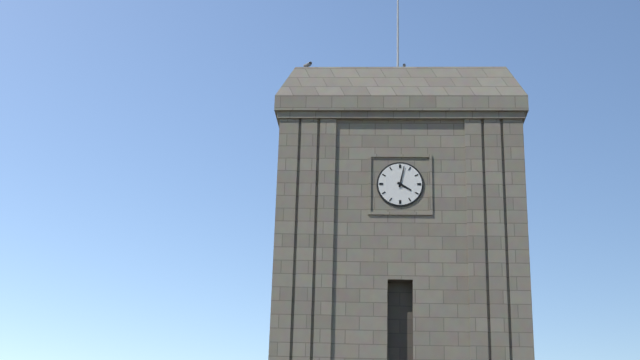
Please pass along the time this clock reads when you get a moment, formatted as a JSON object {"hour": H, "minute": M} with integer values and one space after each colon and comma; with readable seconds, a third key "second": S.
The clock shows {"hour": 4, "minute": 2}
